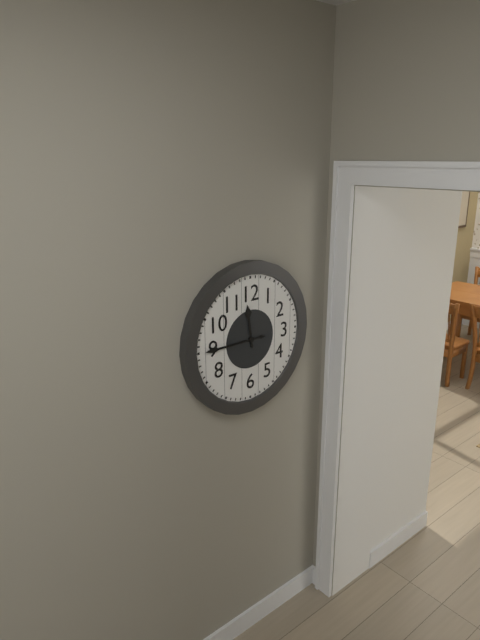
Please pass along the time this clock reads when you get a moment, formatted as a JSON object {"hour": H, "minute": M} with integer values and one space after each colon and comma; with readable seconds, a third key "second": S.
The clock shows {"hour": 11, "minute": 45}
